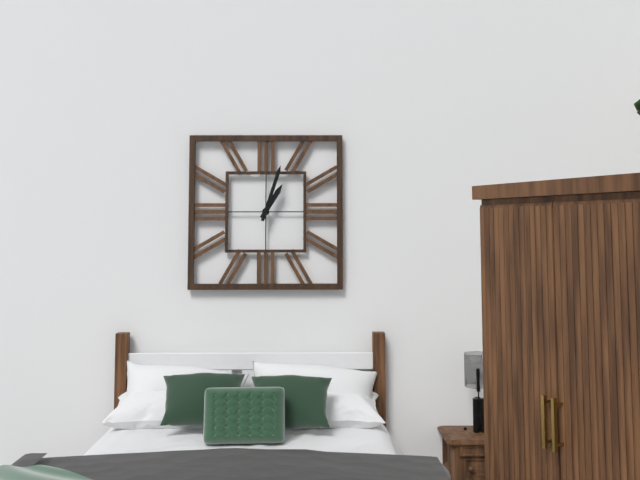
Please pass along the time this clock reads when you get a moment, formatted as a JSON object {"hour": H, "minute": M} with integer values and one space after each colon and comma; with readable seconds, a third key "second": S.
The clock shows {"hour": 1, "minute": 3}
